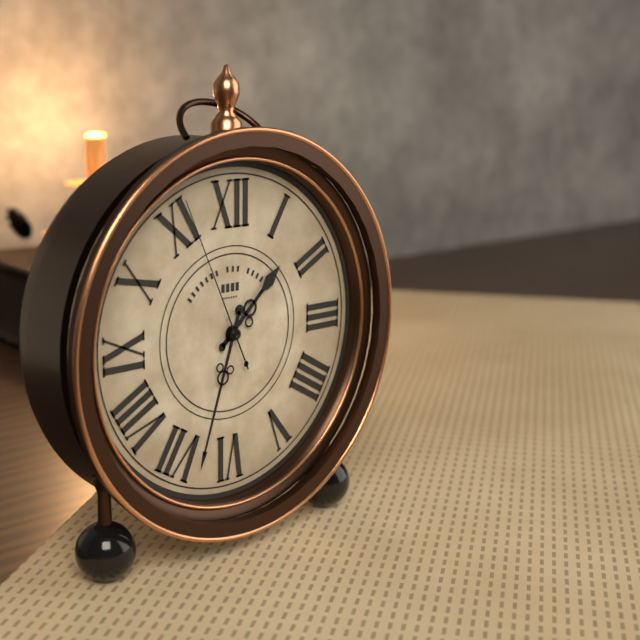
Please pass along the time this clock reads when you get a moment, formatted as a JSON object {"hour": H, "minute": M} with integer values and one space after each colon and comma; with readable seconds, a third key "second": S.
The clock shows {"hour": 1, "minute": 33, "second": 56}
